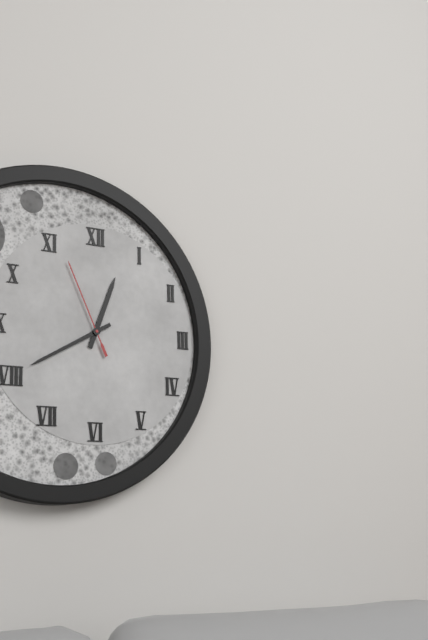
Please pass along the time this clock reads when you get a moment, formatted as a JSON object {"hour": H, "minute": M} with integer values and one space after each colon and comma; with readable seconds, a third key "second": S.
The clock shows {"hour": 12, "minute": 40, "second": 56}
